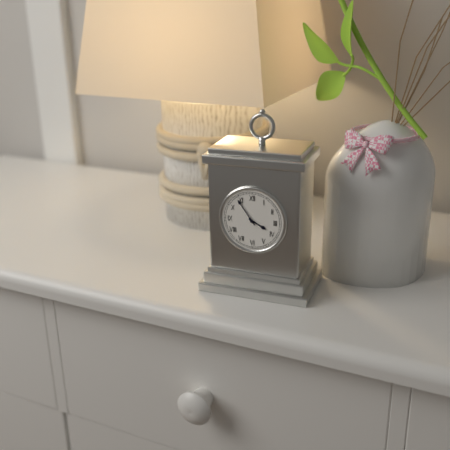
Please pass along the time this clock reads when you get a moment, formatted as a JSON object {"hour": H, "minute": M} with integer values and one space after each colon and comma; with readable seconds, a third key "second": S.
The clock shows {"hour": 3, "minute": 54}
